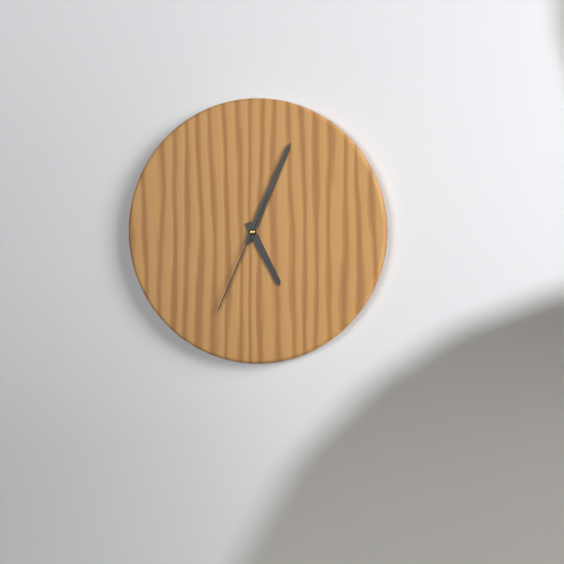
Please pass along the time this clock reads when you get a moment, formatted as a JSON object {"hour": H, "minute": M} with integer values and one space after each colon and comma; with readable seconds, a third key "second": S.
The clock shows {"hour": 5, "minute": 4, "second": 34}
